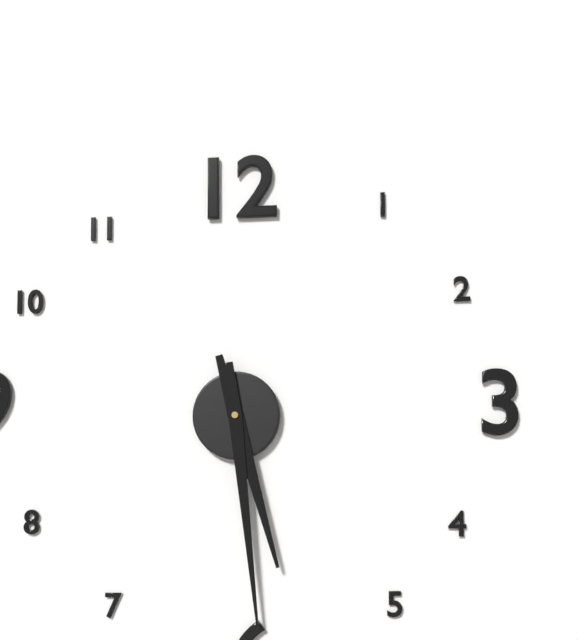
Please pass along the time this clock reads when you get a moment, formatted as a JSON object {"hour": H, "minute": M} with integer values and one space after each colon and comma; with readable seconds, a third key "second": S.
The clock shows {"hour": 5, "minute": 29}
